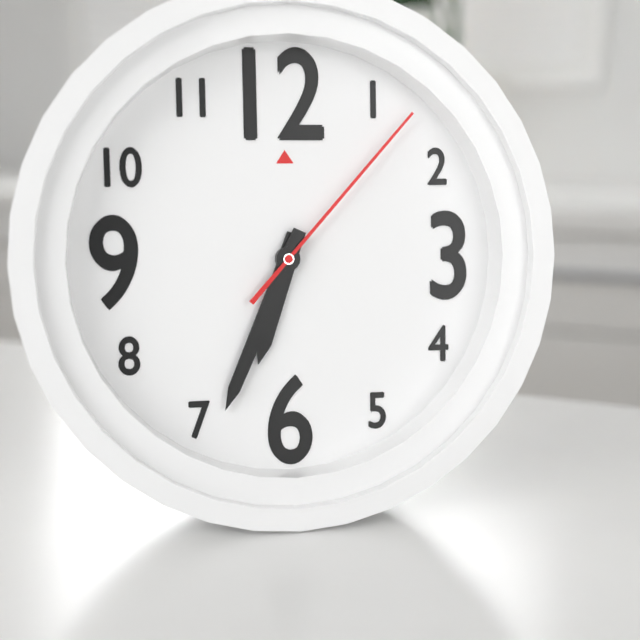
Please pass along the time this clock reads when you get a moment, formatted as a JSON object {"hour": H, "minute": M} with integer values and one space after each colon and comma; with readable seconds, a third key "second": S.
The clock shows {"hour": 6, "minute": 34, "second": 7}
